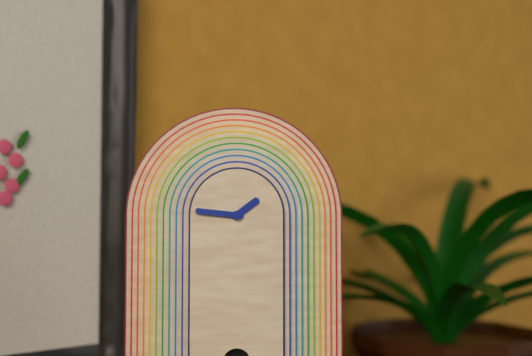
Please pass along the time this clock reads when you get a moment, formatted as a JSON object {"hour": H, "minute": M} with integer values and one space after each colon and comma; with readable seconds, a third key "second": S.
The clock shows {"hour": 1, "minute": 46}
